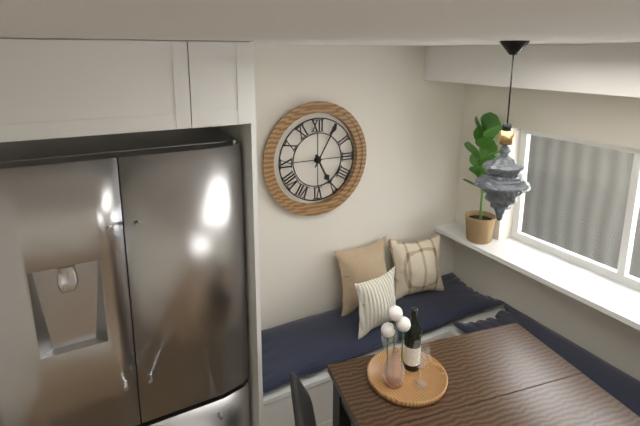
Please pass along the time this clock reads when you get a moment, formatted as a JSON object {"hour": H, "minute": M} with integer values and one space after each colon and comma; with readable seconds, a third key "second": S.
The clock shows {"hour": 5, "minute": 5}
